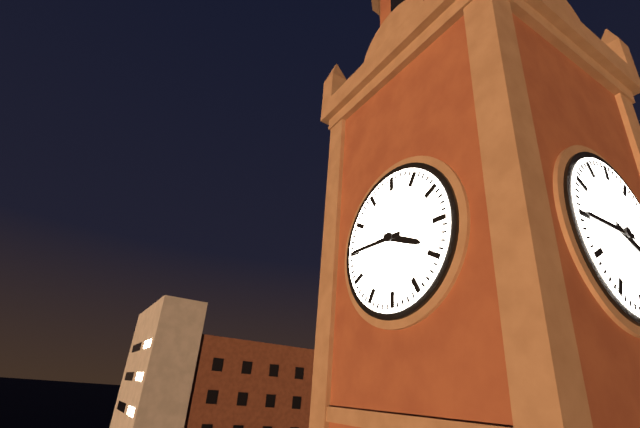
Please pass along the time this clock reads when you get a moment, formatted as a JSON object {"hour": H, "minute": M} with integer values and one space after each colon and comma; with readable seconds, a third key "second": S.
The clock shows {"hour": 3, "minute": 45}
